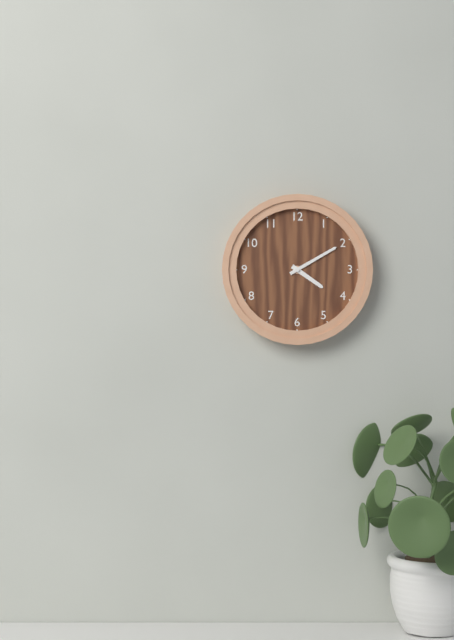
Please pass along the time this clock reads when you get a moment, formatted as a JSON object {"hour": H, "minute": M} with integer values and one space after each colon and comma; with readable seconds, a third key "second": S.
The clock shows {"hour": 4, "minute": 10}
